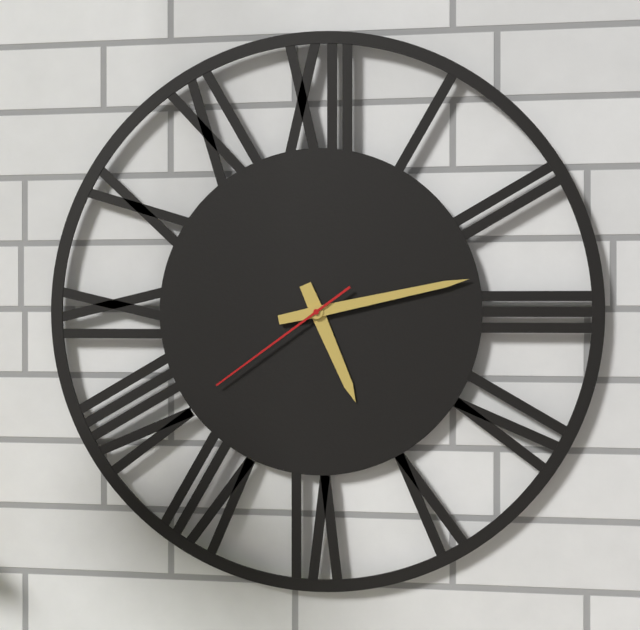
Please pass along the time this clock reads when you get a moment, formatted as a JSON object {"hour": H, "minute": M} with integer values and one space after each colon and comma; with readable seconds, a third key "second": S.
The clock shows {"hour": 5, "minute": 13, "second": 39}
